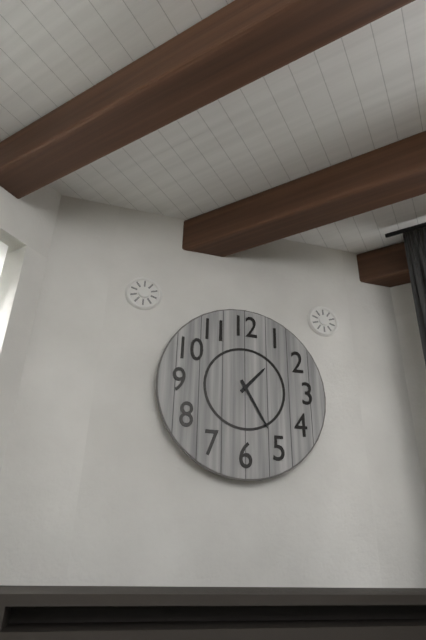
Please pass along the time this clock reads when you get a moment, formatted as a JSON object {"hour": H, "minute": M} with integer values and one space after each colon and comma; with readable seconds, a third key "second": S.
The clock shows {"hour": 1, "minute": 25}
